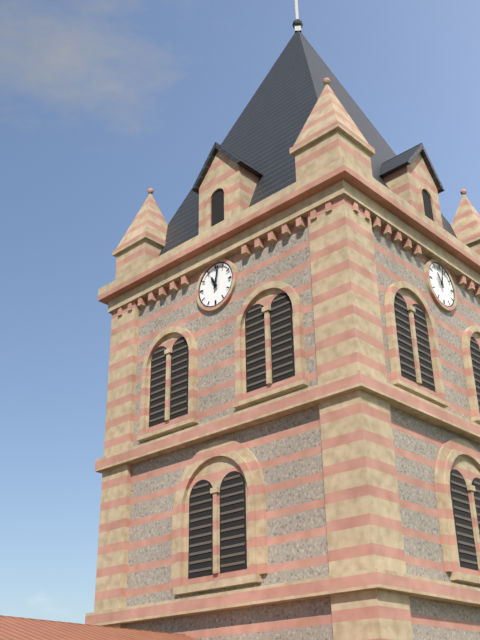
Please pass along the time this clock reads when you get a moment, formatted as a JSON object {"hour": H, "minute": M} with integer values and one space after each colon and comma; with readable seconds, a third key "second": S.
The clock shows {"hour": 11, "minute": 2}
